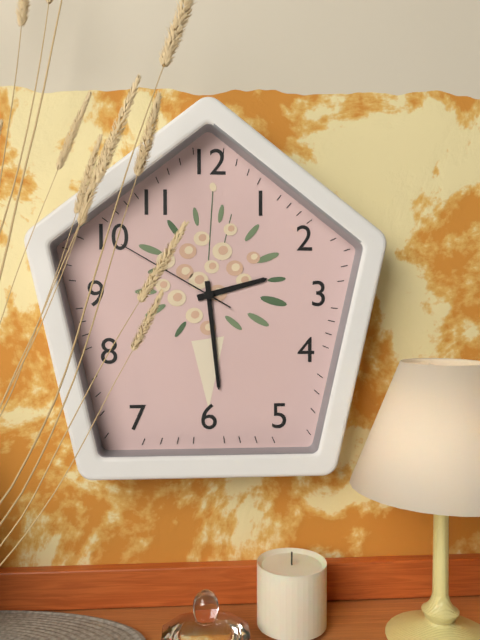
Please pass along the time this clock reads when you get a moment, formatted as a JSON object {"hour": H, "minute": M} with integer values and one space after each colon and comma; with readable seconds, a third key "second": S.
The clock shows {"hour": 2, "minute": 29, "second": 50}
